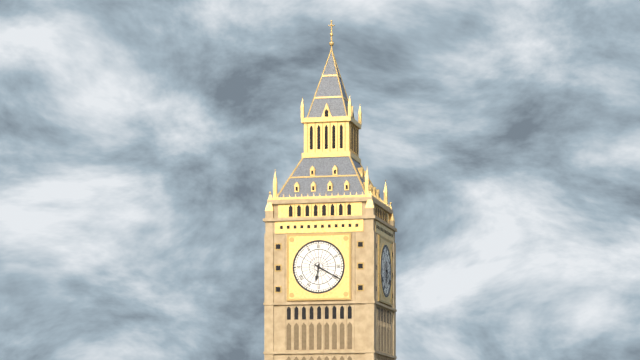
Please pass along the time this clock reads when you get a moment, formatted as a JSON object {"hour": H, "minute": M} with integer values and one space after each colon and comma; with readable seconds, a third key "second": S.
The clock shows {"hour": 6, "minute": 20}
